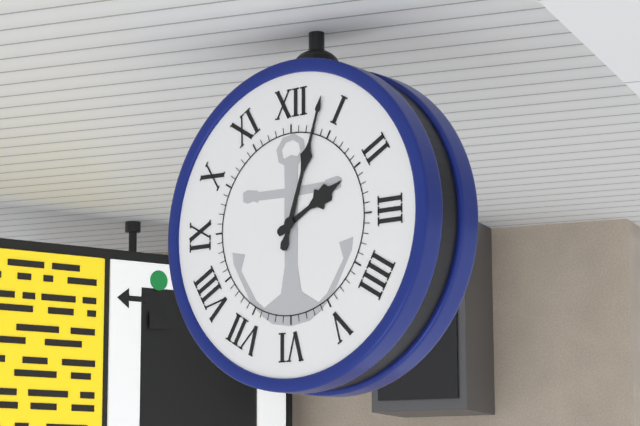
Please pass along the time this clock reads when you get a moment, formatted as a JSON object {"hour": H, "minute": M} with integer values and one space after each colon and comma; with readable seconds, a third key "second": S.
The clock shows {"hour": 2, "minute": 3}
